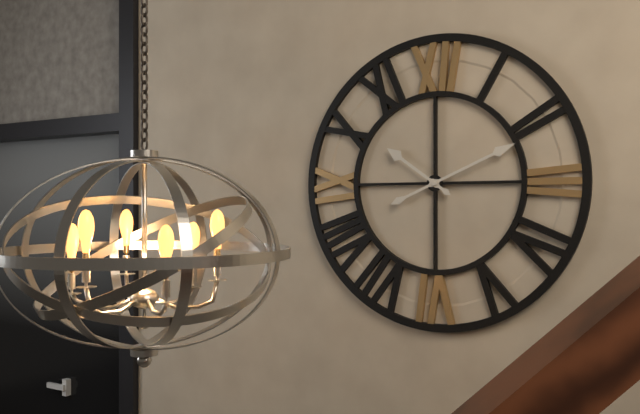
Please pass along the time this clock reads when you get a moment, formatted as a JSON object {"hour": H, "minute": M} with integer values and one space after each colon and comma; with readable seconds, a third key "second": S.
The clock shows {"hour": 10, "minute": 11}
